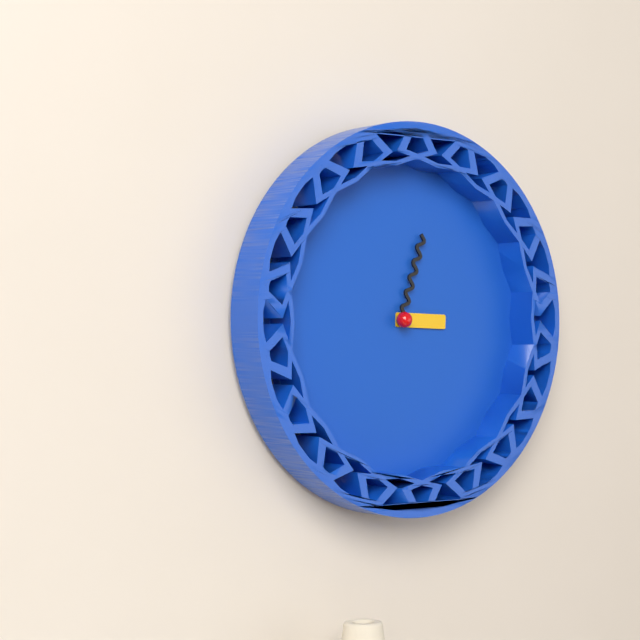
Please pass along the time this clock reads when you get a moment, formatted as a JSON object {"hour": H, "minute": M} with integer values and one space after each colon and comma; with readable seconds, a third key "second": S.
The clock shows {"hour": 3, "minute": 3}
